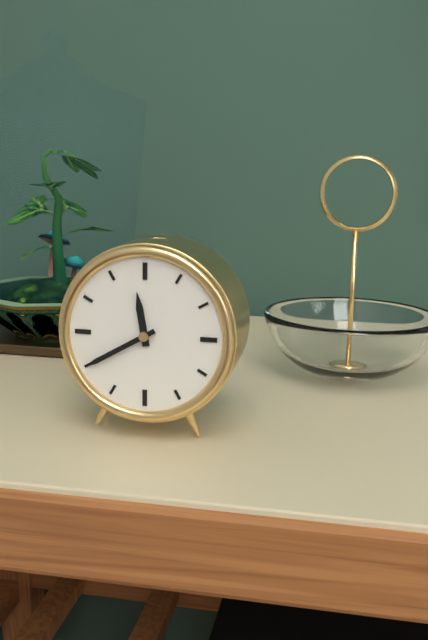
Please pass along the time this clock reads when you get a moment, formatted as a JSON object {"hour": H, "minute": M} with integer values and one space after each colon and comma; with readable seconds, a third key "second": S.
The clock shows {"hour": 11, "minute": 40}
